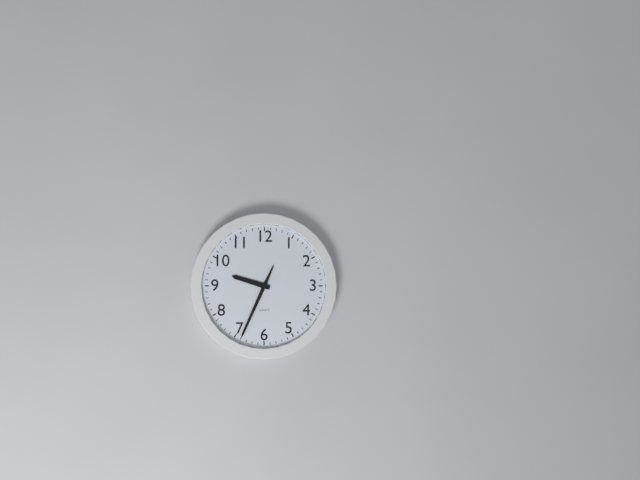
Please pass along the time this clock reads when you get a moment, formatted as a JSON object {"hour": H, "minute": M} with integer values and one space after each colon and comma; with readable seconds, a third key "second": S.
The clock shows {"hour": 9, "minute": 34}
